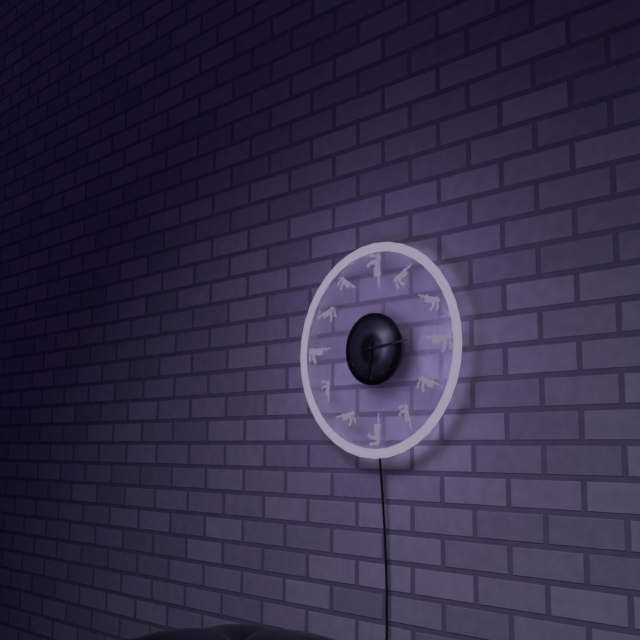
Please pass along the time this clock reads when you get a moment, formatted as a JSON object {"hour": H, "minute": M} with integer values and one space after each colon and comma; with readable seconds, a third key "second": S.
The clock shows {"hour": 6, "minute": 14}
